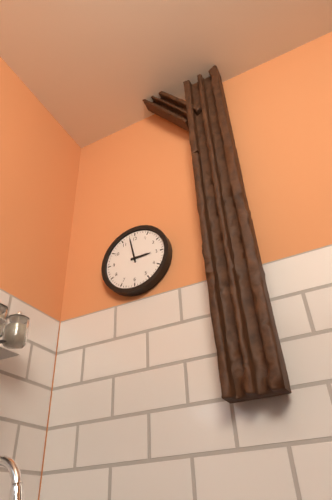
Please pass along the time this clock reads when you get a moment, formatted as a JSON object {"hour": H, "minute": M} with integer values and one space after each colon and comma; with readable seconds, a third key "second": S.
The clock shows {"hour": 2, "minute": 58}
